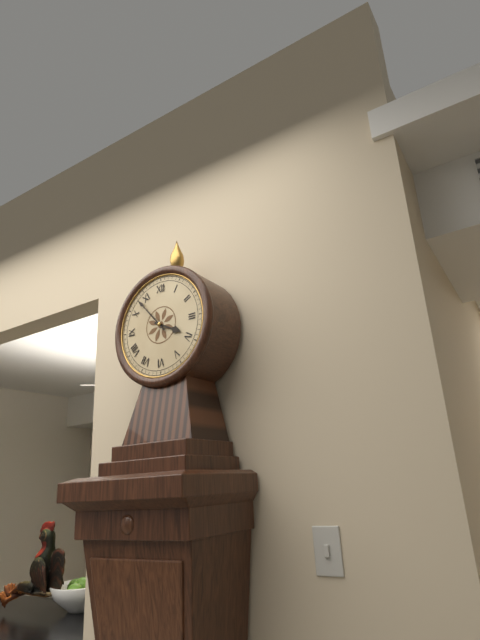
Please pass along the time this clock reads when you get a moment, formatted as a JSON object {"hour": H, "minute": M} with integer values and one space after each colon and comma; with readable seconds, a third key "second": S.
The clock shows {"hour": 3, "minute": 53}
